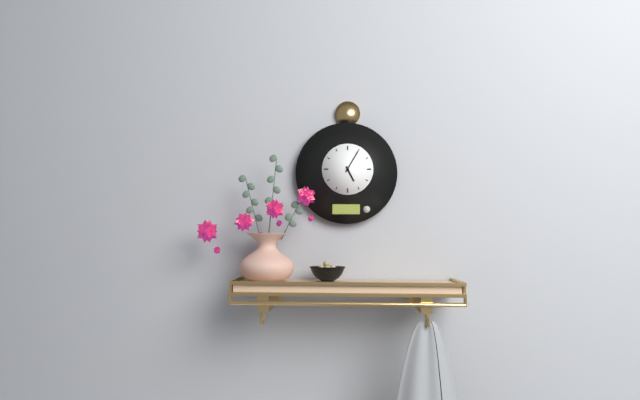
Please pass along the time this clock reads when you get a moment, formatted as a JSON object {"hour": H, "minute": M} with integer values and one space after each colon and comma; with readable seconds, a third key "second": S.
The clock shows {"hour": 5, "minute": 5}
